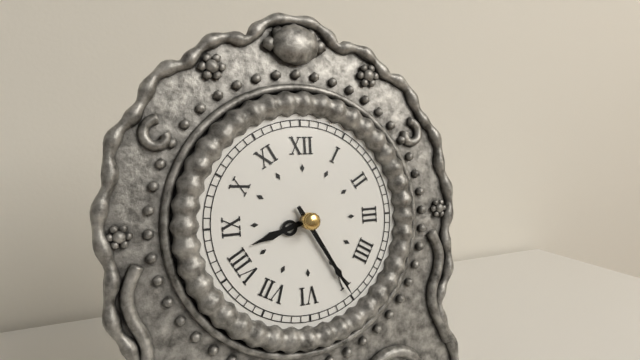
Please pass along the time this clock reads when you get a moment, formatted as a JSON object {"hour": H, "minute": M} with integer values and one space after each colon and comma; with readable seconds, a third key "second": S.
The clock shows {"hour": 8, "minute": 25}
